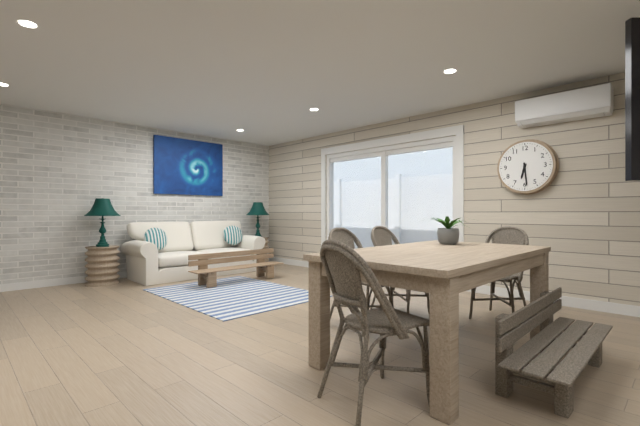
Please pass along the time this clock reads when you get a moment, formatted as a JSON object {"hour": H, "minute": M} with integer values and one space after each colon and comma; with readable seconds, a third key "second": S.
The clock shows {"hour": 6, "minute": 29}
